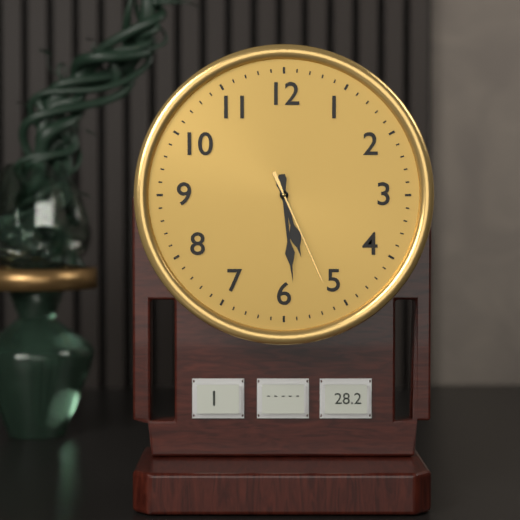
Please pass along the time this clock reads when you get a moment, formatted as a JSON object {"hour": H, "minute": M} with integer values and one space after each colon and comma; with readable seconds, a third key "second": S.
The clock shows {"hour": 5, "minute": 29, "second": 26}
